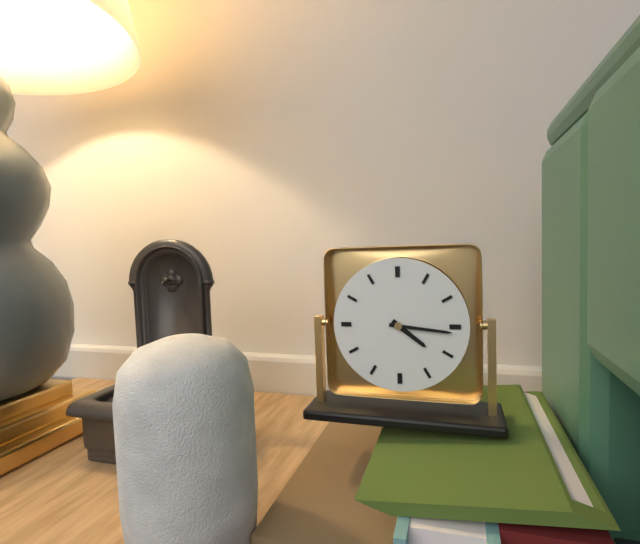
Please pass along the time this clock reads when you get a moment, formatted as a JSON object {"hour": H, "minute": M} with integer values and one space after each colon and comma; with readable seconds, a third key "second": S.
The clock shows {"hour": 4, "minute": 16}
